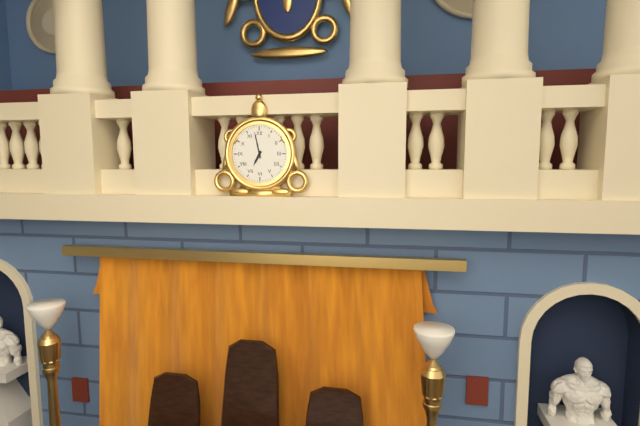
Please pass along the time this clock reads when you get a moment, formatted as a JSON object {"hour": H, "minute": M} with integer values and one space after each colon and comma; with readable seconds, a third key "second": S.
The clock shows {"hour": 6, "minute": 58}
